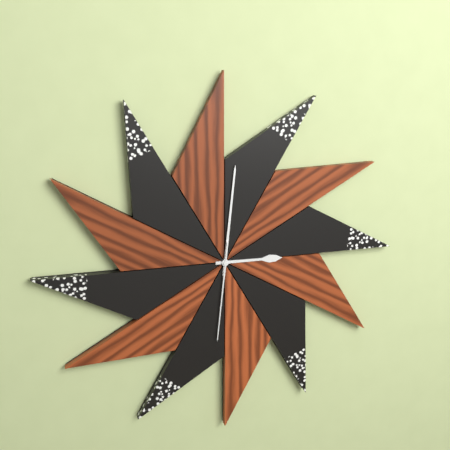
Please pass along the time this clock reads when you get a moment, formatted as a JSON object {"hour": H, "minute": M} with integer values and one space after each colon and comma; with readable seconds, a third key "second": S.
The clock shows {"hour": 3, "minute": 1, "second": 31}
